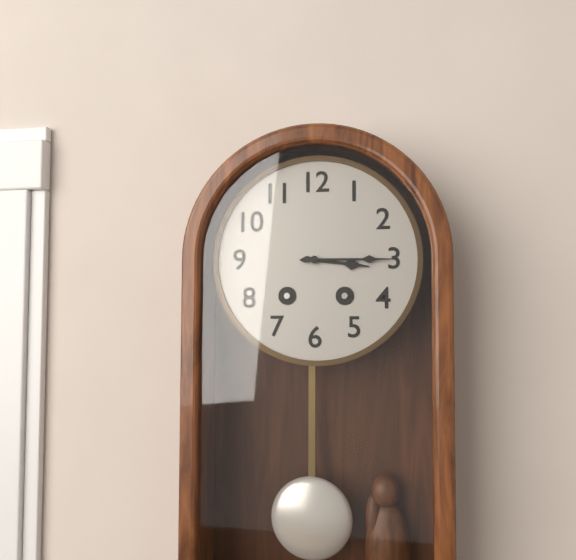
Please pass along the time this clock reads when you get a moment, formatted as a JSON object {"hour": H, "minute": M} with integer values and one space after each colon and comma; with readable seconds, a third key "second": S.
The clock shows {"hour": 3, "minute": 15}
